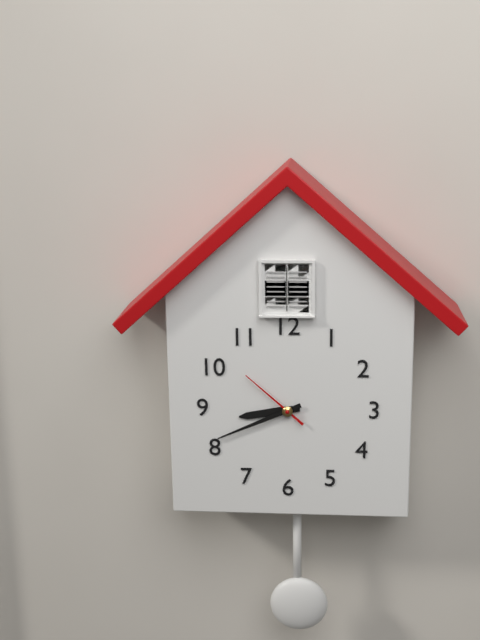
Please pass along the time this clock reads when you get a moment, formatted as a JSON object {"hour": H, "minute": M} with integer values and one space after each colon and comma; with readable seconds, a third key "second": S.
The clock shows {"hour": 8, "minute": 41, "second": 52}
